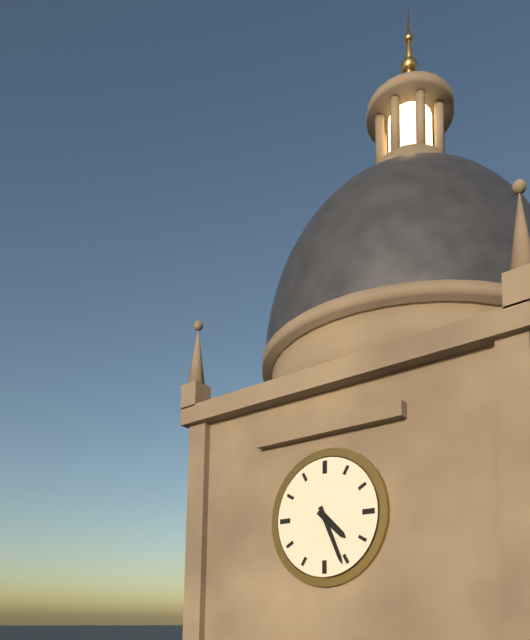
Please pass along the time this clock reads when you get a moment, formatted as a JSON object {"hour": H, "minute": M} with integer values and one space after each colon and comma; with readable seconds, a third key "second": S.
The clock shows {"hour": 4, "minute": 26}
